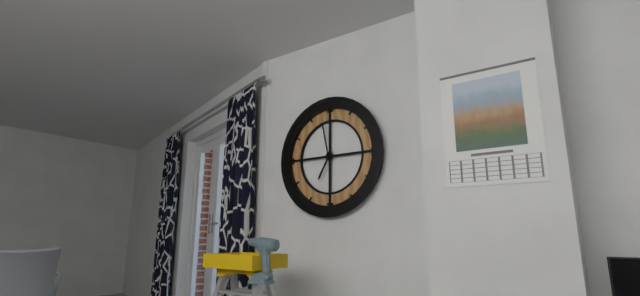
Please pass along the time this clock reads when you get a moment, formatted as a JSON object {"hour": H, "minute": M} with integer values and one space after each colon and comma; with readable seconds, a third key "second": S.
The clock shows {"hour": 6, "minute": 58}
